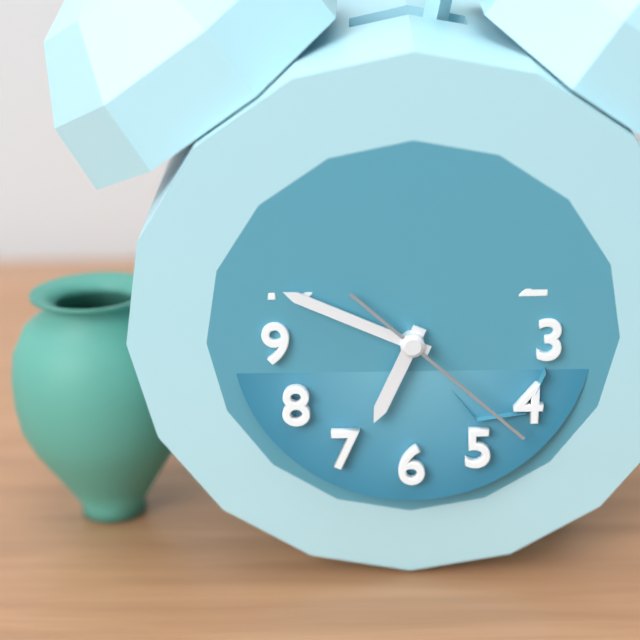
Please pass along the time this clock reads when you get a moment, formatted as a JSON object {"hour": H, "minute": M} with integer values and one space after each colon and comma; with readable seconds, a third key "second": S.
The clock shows {"hour": 6, "minute": 49, "second": 22}
